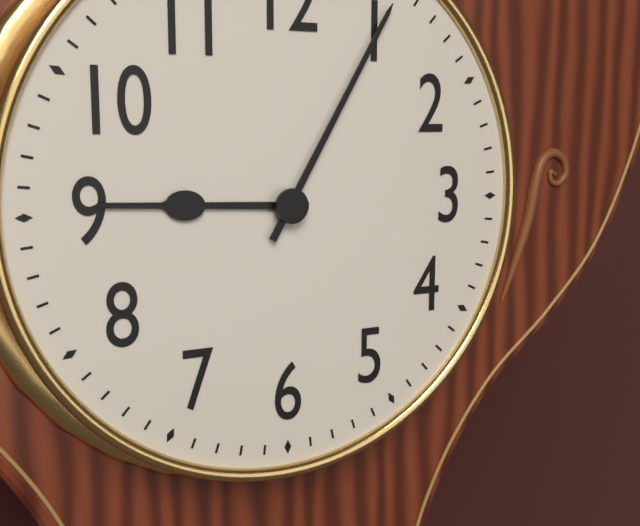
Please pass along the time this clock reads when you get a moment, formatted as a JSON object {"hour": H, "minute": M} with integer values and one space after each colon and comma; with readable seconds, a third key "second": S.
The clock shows {"hour": 9, "minute": 5}
